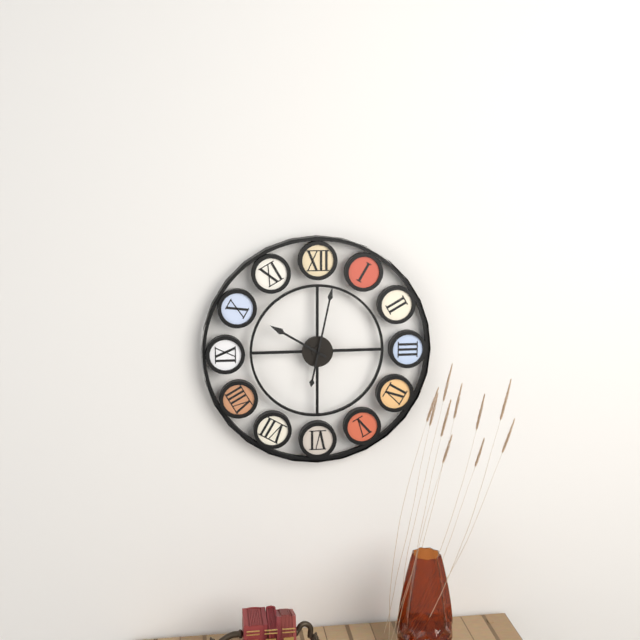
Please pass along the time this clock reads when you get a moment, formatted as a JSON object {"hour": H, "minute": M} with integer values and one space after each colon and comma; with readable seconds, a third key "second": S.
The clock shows {"hour": 10, "minute": 2}
